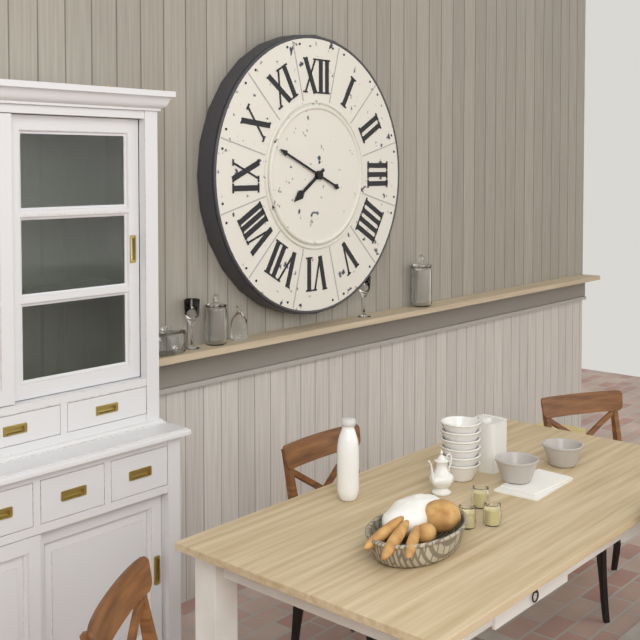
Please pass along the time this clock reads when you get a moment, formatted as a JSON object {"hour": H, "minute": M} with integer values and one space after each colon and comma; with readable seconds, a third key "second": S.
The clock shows {"hour": 7, "minute": 49}
